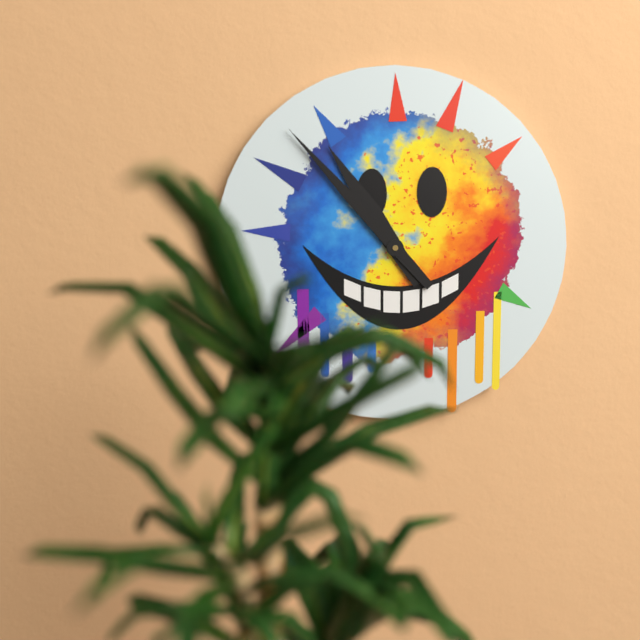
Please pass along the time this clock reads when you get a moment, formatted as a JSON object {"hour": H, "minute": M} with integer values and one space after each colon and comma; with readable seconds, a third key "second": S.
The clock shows {"hour": 10, "minute": 53}
